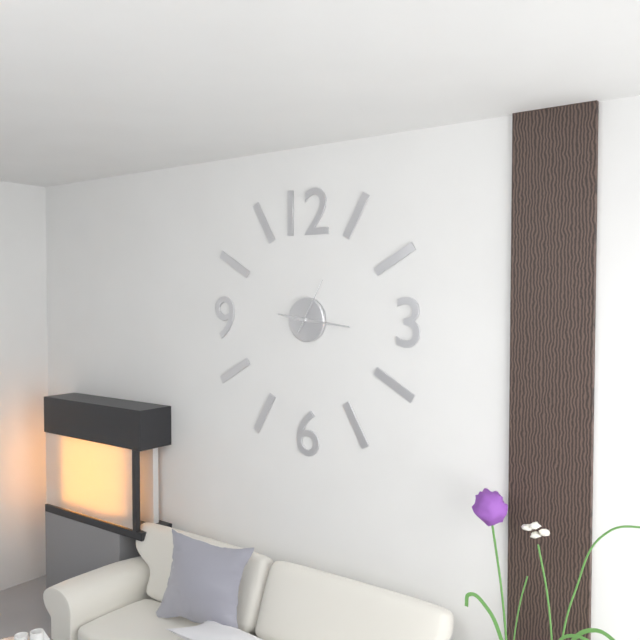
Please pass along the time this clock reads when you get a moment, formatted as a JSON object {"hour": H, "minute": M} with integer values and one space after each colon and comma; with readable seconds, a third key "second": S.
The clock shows {"hour": 9, "minute": 16, "second": 5}
